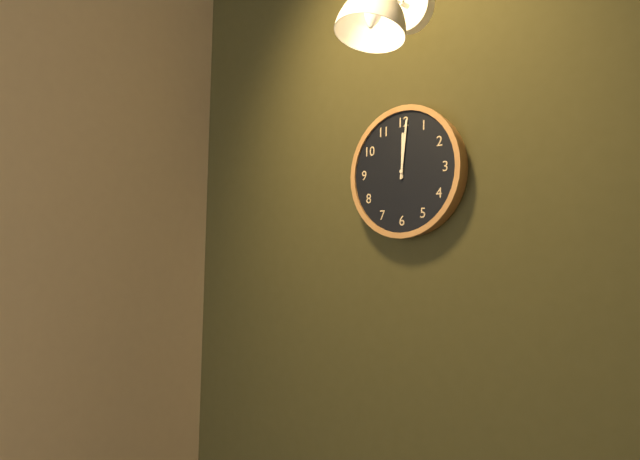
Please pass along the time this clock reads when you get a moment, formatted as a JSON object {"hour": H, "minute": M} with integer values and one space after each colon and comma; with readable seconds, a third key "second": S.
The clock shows {"hour": 12, "minute": 1}
